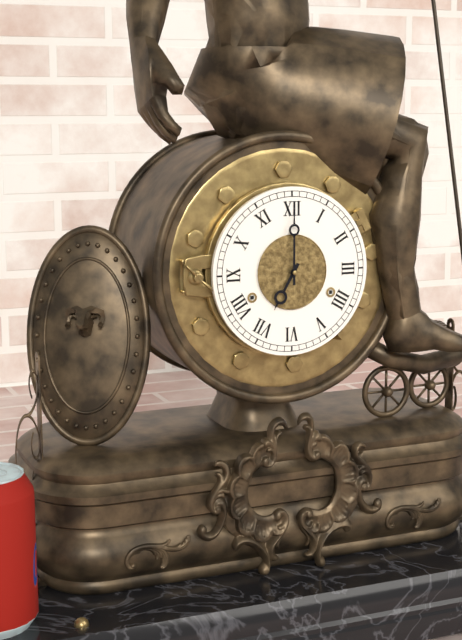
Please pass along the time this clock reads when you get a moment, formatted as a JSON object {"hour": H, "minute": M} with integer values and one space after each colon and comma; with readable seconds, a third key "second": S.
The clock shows {"hour": 7, "minute": 0}
